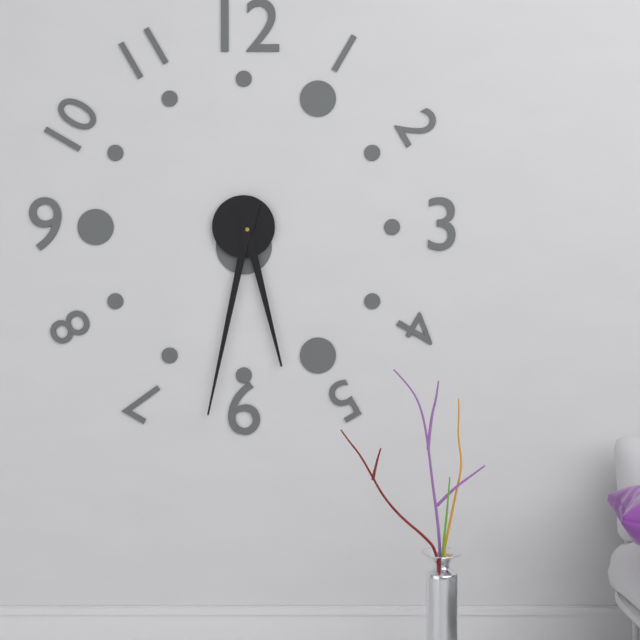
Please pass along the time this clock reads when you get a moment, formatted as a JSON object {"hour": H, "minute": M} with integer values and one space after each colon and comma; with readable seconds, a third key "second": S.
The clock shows {"hour": 5, "minute": 32}
